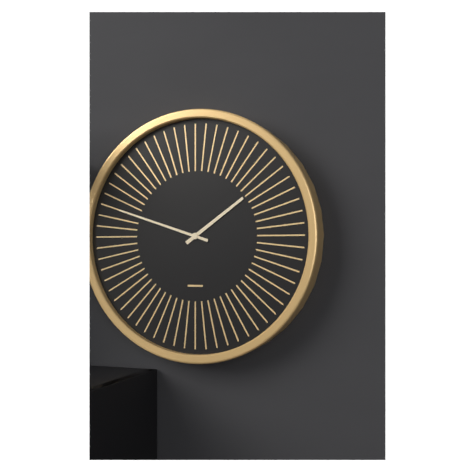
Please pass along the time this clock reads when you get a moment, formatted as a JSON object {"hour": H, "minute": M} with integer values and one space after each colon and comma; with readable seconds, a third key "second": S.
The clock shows {"hour": 1, "minute": 48}
